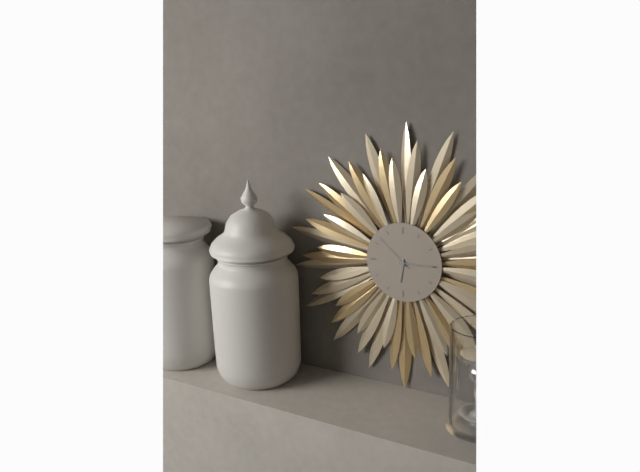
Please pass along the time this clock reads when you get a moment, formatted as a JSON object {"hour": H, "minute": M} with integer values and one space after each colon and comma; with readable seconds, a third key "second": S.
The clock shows {"hour": 6, "minute": 15}
